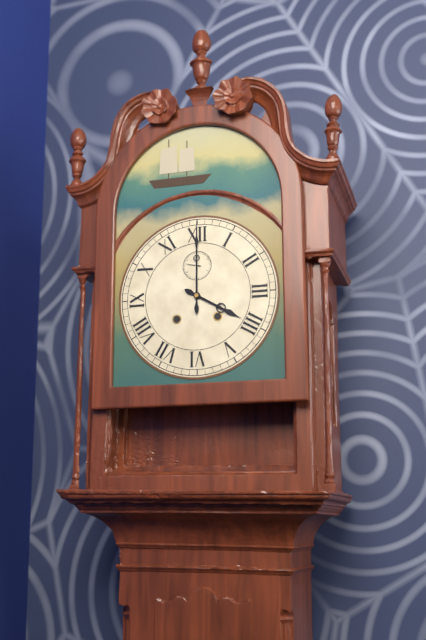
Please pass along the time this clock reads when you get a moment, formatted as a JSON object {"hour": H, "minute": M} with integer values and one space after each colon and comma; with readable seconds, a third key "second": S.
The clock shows {"hour": 4, "minute": 0}
